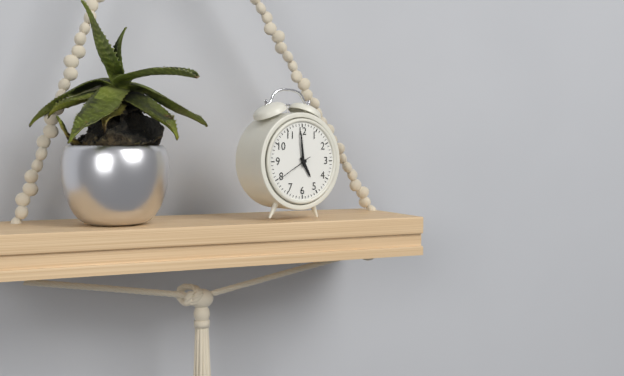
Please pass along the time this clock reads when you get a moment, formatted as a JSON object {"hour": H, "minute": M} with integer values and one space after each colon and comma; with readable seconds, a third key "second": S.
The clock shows {"hour": 4, "minute": 59}
